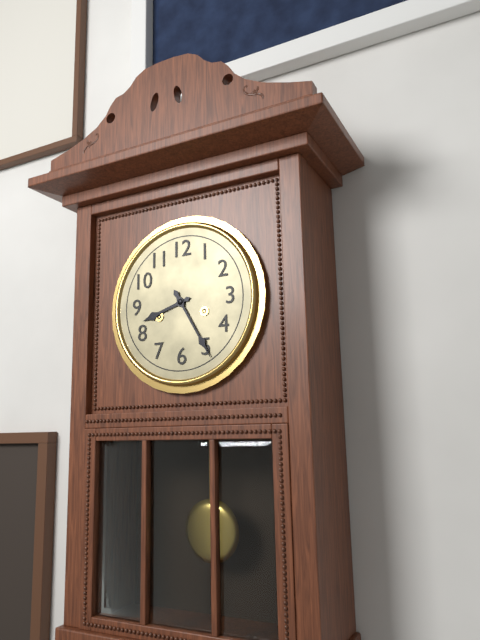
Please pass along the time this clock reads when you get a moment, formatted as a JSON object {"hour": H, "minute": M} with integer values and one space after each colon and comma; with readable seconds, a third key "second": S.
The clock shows {"hour": 8, "minute": 25}
